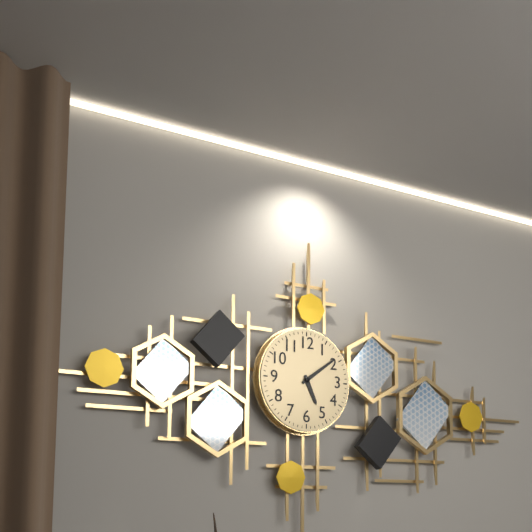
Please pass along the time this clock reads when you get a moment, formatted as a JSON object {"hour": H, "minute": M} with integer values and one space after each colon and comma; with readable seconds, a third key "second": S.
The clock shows {"hour": 5, "minute": 9}
